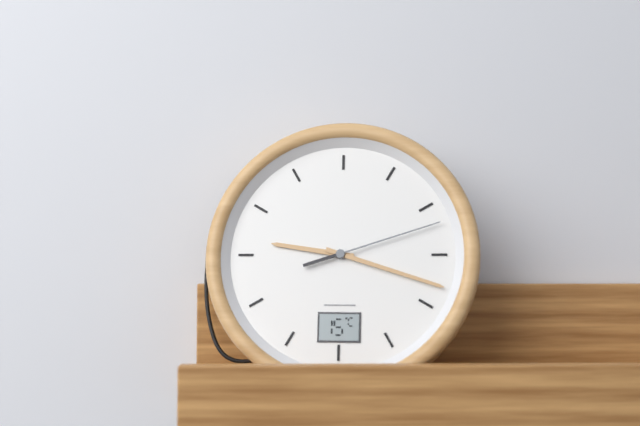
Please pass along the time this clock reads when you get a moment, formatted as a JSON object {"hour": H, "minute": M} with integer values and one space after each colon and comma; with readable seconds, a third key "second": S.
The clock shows {"hour": 9, "minute": 18, "second": 12}
